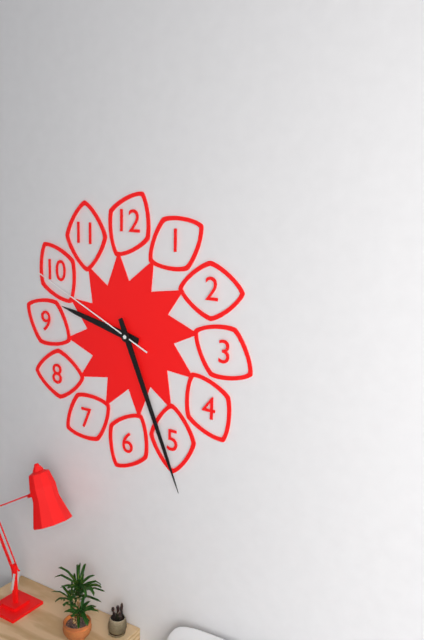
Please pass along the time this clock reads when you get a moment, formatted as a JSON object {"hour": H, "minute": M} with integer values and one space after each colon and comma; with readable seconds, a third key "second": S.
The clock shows {"hour": 9, "minute": 26, "second": 49}
